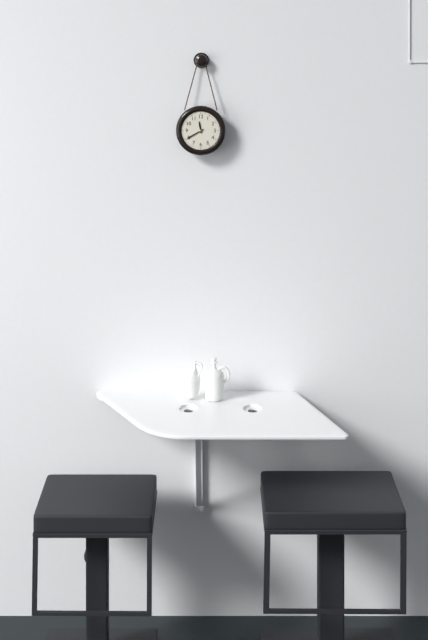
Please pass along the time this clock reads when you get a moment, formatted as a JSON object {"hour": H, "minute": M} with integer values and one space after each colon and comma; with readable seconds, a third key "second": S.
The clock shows {"hour": 11, "minute": 40}
